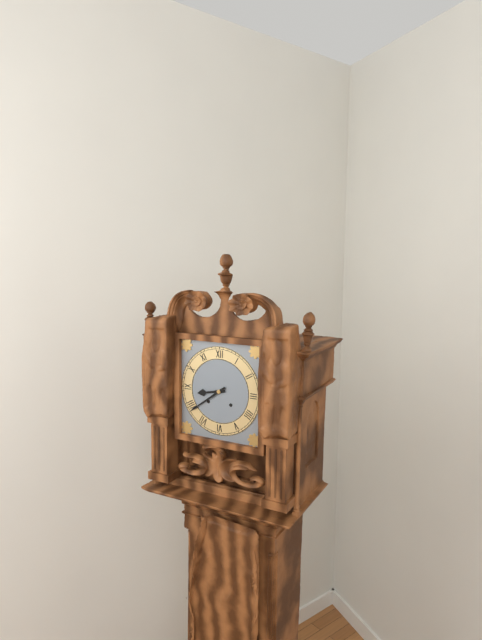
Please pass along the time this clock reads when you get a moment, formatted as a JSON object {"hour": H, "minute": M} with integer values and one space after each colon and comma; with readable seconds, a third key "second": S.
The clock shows {"hour": 8, "minute": 39}
